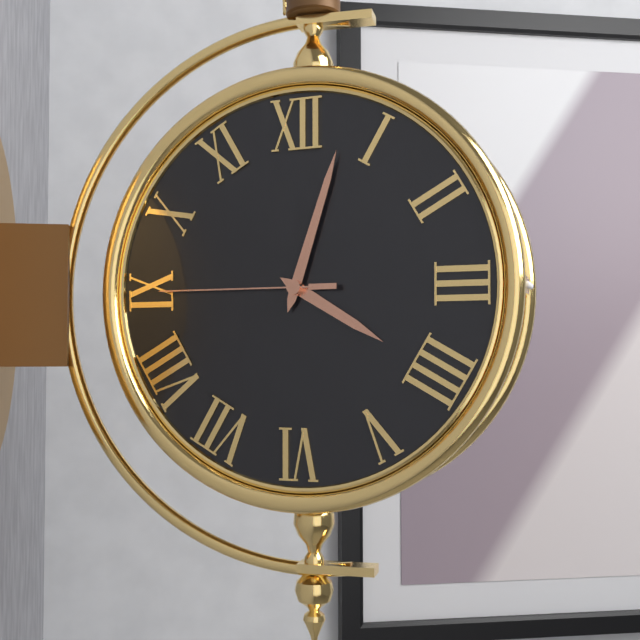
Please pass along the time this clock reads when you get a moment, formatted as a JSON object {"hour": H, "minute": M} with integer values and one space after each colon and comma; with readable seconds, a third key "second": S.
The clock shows {"hour": 4, "minute": 3, "second": 45}
